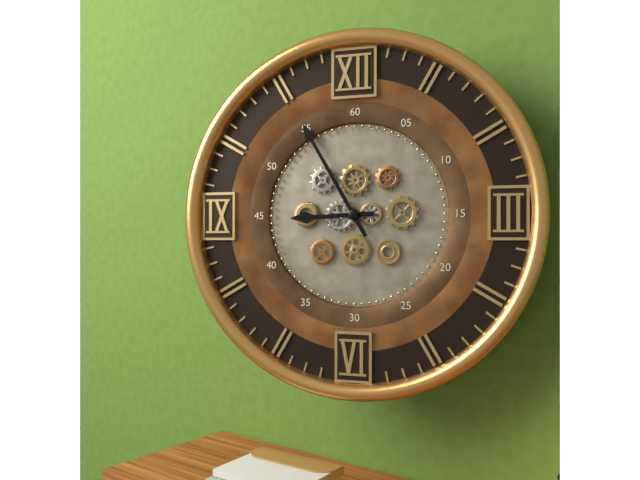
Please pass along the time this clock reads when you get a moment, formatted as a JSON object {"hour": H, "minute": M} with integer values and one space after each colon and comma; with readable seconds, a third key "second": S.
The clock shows {"hour": 8, "minute": 55}
